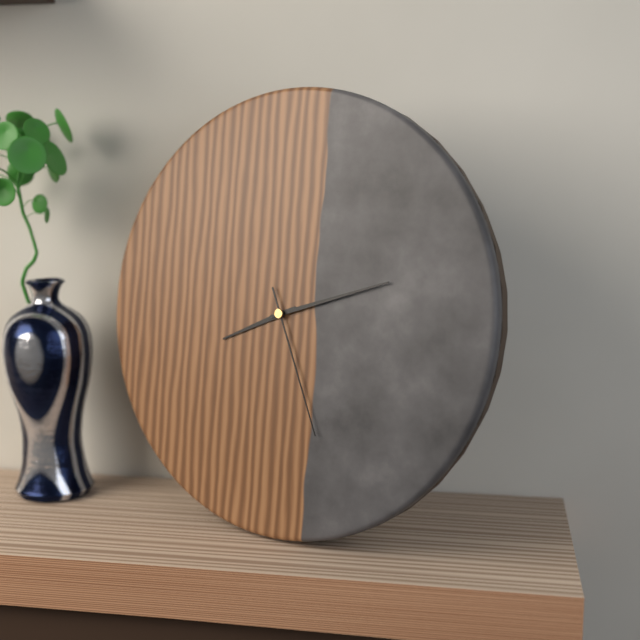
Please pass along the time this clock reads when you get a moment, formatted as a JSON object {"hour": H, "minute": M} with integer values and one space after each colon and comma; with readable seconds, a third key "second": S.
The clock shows {"hour": 8, "minute": 12, "second": 26}
